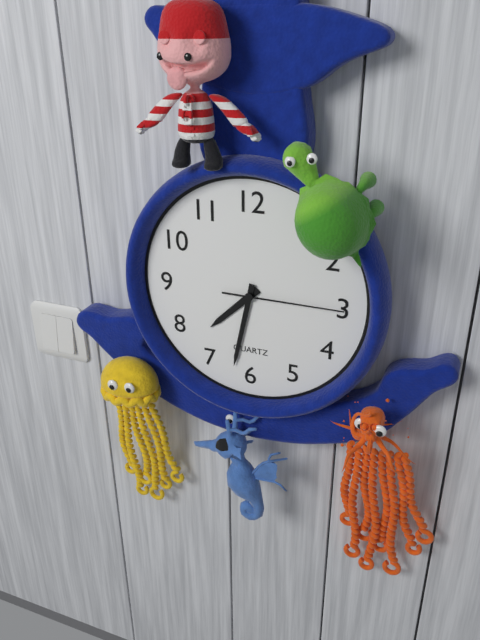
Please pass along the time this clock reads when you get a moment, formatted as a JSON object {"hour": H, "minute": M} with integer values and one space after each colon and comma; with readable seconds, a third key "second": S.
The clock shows {"hour": 7, "minute": 32, "second": 15}
